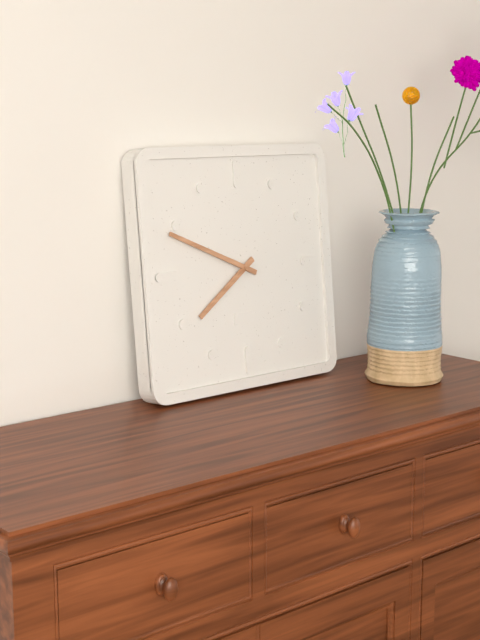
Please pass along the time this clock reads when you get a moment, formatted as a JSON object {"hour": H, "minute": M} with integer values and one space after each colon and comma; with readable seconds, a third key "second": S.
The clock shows {"hour": 7, "minute": 49}
